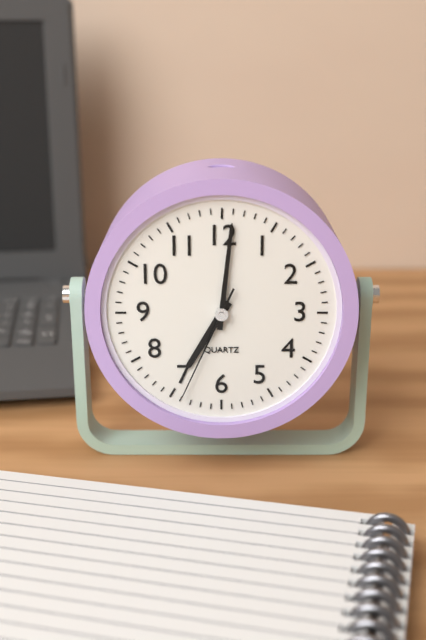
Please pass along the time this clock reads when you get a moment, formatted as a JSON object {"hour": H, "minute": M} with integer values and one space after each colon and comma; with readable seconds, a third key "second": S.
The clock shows {"hour": 7, "minute": 1, "second": 34}
